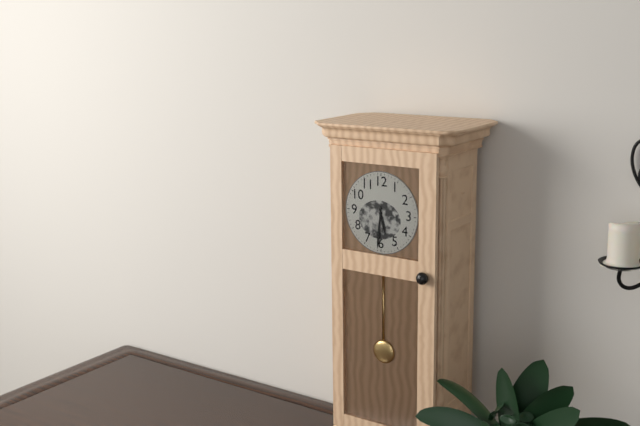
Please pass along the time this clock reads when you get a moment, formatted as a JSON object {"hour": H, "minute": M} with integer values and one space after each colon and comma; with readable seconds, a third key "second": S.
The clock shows {"hour": 5, "minute": 31}
